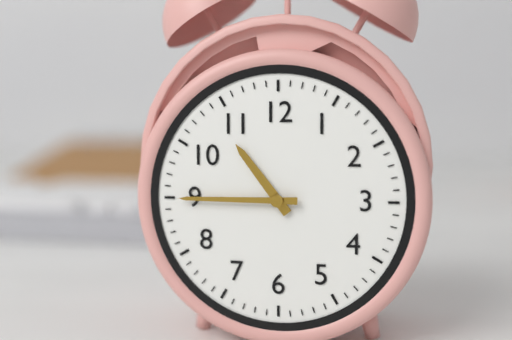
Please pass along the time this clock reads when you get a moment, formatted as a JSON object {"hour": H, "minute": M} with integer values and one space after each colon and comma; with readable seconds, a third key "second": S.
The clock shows {"hour": 10, "minute": 45}
